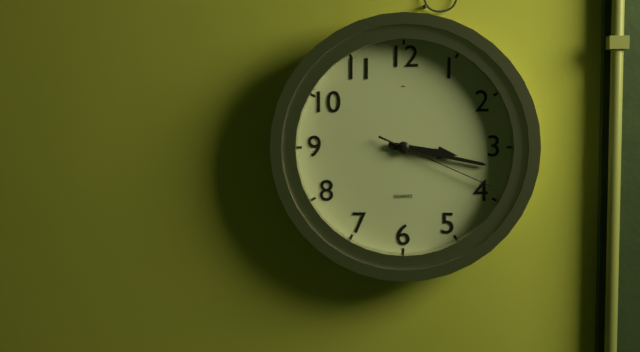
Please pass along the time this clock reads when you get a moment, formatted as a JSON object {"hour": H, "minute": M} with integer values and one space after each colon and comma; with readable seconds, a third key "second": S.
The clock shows {"hour": 3, "minute": 17, "second": 19}
